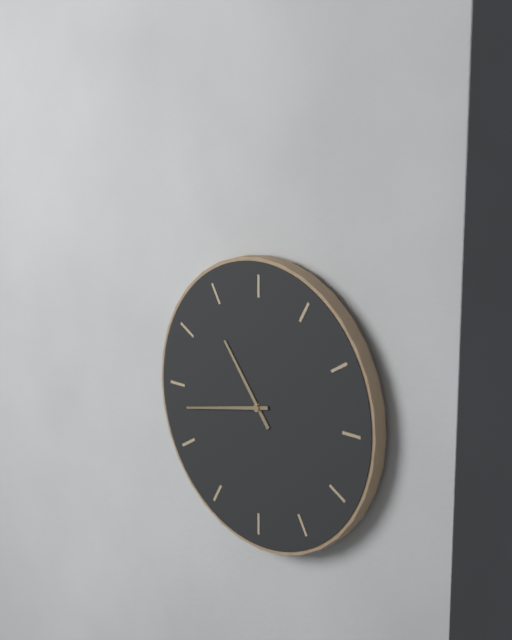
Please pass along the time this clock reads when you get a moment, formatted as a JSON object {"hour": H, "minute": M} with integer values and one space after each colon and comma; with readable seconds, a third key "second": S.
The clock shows {"hour": 10, "minute": 43}
